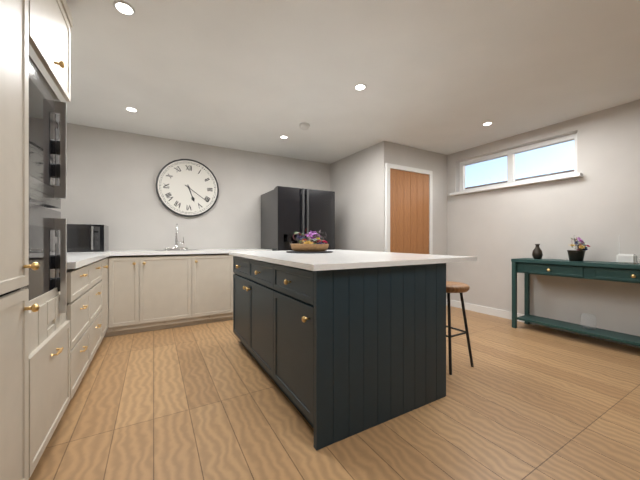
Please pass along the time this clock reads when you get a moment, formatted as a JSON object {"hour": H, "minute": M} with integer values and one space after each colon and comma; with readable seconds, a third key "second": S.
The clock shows {"hour": 5, "minute": 21}
